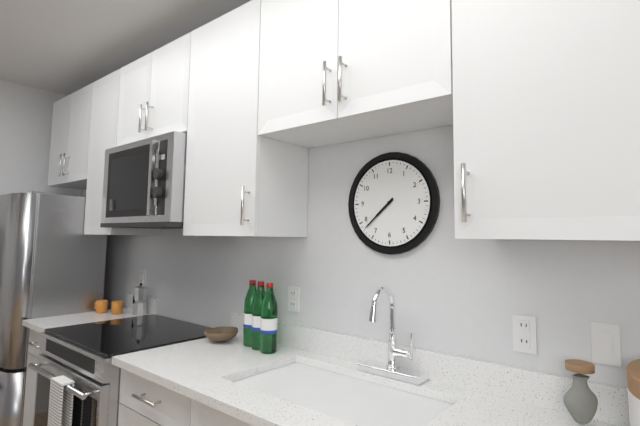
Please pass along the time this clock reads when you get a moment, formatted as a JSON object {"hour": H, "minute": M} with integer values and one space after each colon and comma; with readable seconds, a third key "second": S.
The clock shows {"hour": 7, "minute": 38}
